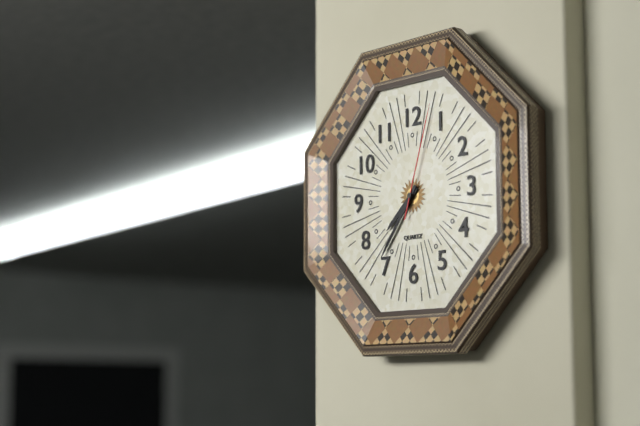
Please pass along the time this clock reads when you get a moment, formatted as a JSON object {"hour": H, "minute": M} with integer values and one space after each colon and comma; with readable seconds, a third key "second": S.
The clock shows {"hour": 7, "minute": 36, "second": 3}
